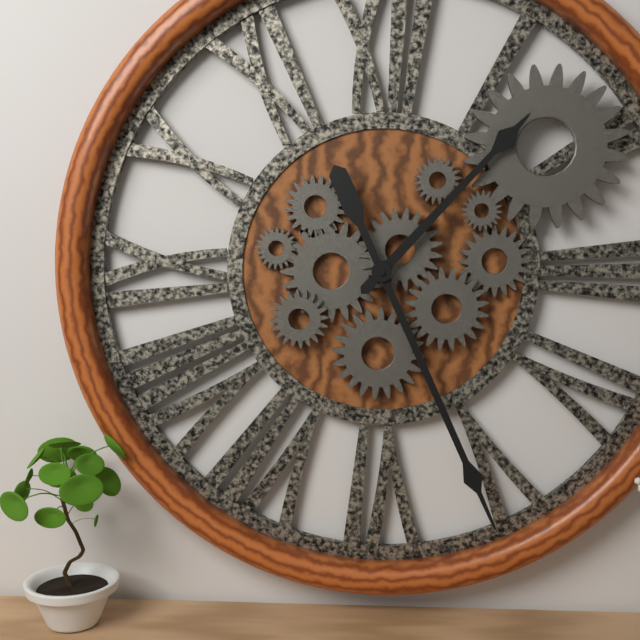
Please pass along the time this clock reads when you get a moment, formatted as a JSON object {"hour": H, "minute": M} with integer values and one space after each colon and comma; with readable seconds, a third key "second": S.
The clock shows {"hour": 1, "minute": 26}
